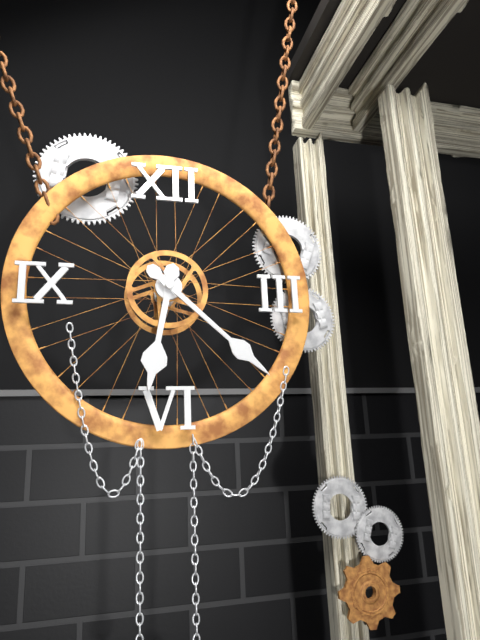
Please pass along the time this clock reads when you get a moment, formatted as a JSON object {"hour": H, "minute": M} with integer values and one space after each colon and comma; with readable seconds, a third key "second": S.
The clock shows {"hour": 6, "minute": 22}
